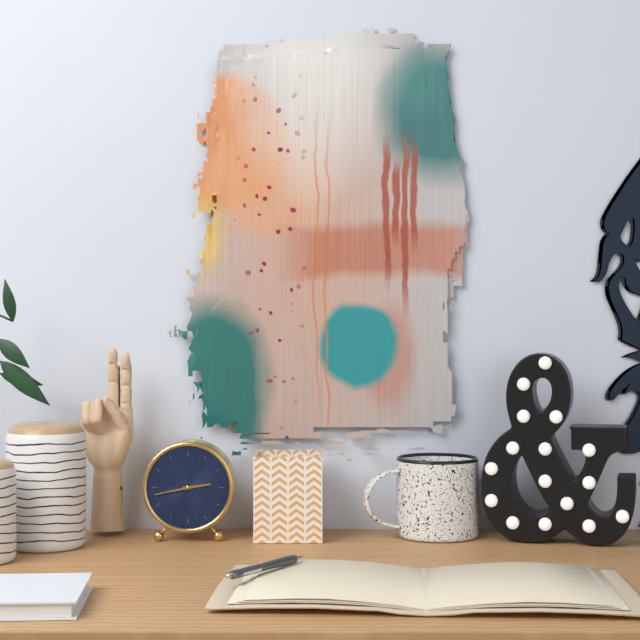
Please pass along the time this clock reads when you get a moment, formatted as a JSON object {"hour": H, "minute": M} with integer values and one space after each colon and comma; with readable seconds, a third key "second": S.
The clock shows {"hour": 2, "minute": 43}
